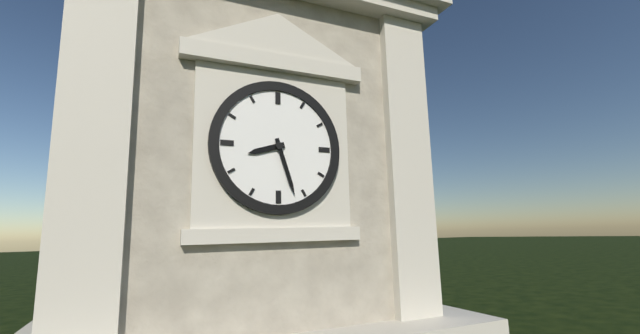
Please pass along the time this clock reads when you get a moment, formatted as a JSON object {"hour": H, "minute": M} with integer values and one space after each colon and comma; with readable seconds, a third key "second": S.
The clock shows {"hour": 8, "minute": 27}
